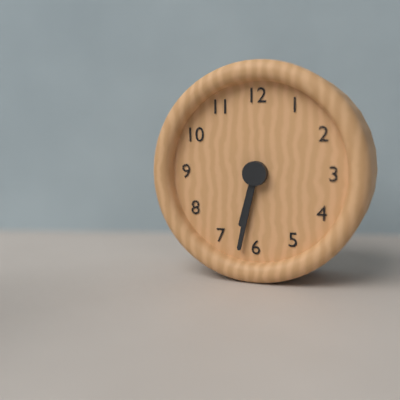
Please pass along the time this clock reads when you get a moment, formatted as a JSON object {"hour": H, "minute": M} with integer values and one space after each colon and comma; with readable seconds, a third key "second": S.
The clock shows {"hour": 6, "minute": 32}
